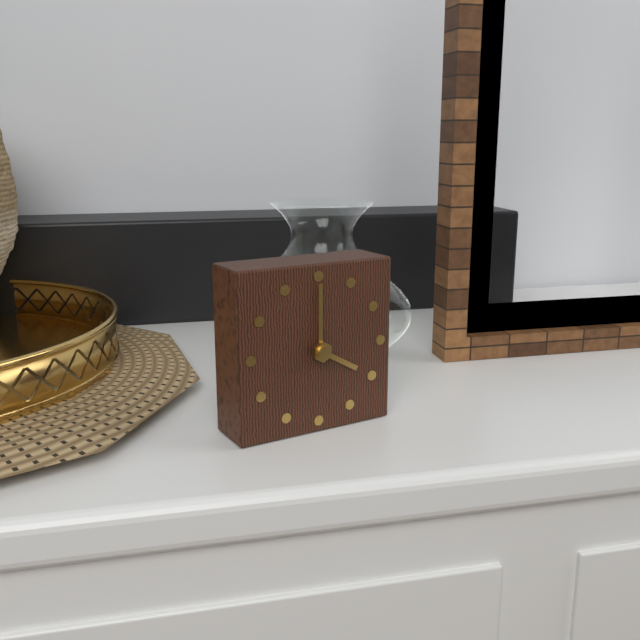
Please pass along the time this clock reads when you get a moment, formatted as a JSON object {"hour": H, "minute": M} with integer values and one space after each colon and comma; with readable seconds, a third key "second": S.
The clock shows {"hour": 4, "minute": 0}
